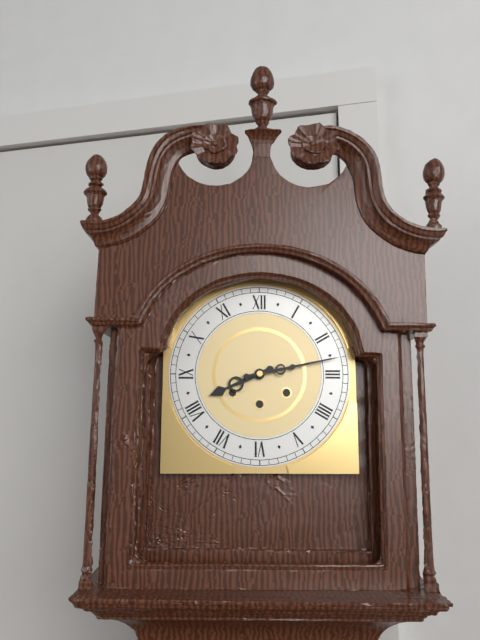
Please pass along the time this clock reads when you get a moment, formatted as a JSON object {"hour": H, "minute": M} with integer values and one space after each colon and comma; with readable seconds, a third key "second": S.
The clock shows {"hour": 8, "minute": 13}
